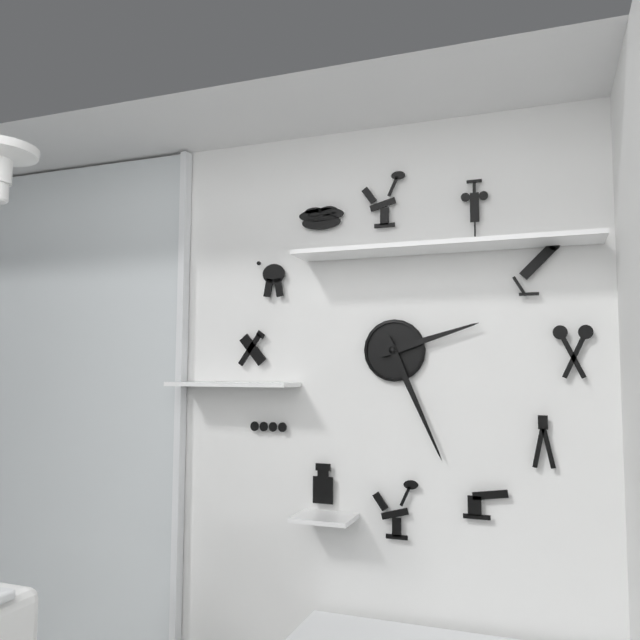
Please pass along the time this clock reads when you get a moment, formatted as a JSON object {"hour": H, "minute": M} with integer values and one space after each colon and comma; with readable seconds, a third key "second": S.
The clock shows {"hour": 2, "minute": 26}
